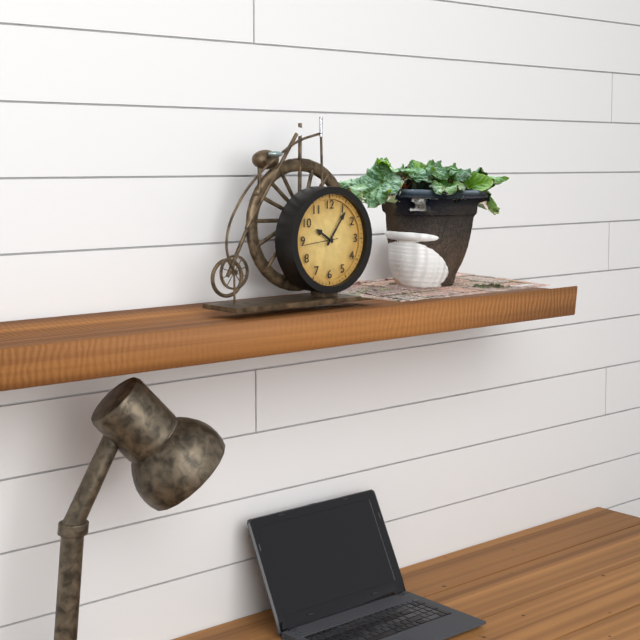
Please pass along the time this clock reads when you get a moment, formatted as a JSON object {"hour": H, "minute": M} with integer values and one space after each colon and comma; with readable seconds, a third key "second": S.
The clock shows {"hour": 10, "minute": 6}
